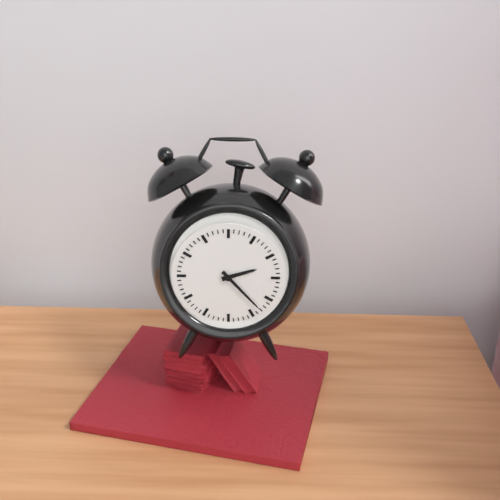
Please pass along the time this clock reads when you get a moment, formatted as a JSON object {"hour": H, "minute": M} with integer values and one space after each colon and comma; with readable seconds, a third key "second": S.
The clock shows {"hour": 2, "minute": 23}
